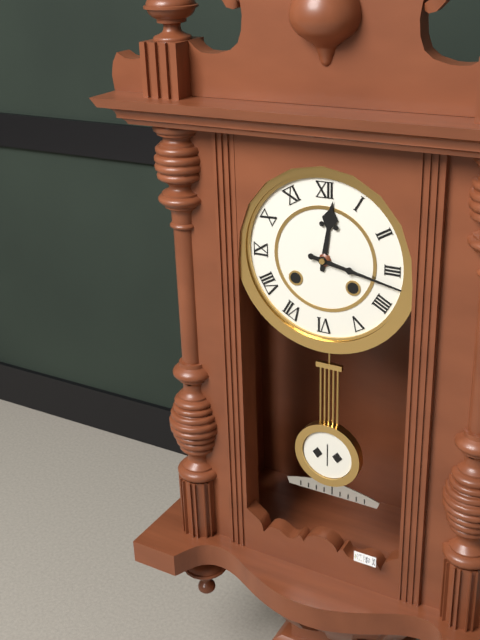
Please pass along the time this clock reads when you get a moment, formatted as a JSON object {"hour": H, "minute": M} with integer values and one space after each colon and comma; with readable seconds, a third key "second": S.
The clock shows {"hour": 12, "minute": 17}
